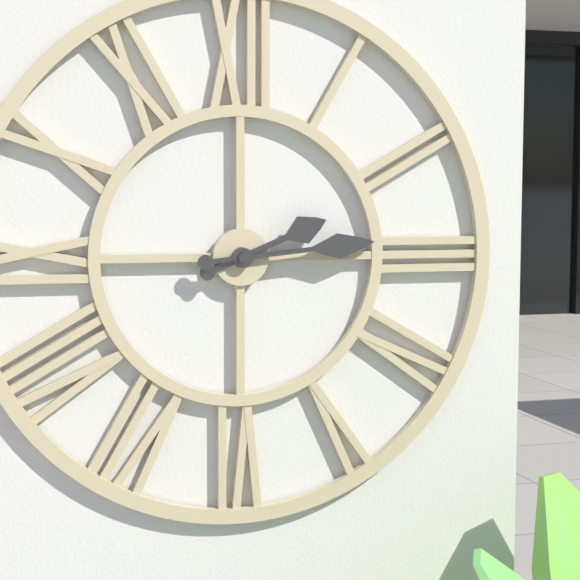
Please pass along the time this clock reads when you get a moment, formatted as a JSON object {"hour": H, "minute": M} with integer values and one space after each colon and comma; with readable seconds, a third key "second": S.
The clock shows {"hour": 2, "minute": 14}
